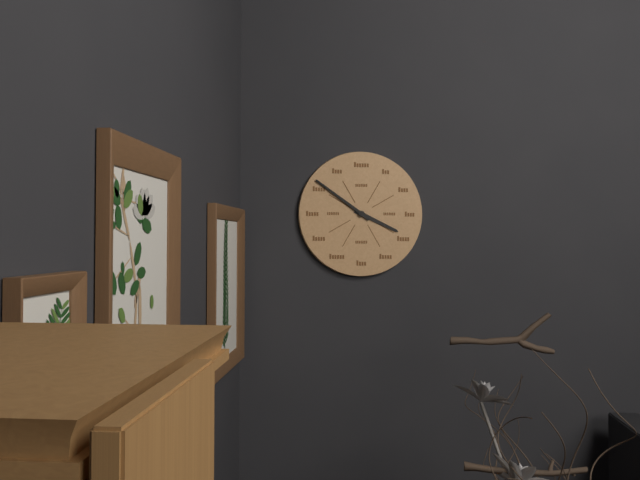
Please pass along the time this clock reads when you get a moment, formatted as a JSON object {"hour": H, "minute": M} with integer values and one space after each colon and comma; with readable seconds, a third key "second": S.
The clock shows {"hour": 3, "minute": 51}
